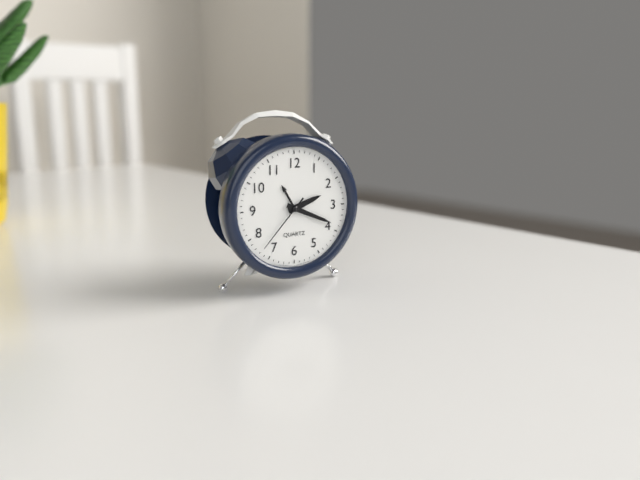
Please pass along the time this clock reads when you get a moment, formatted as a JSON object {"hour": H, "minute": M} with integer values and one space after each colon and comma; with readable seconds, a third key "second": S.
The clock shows {"hour": 2, "minute": 19, "second": 37}
